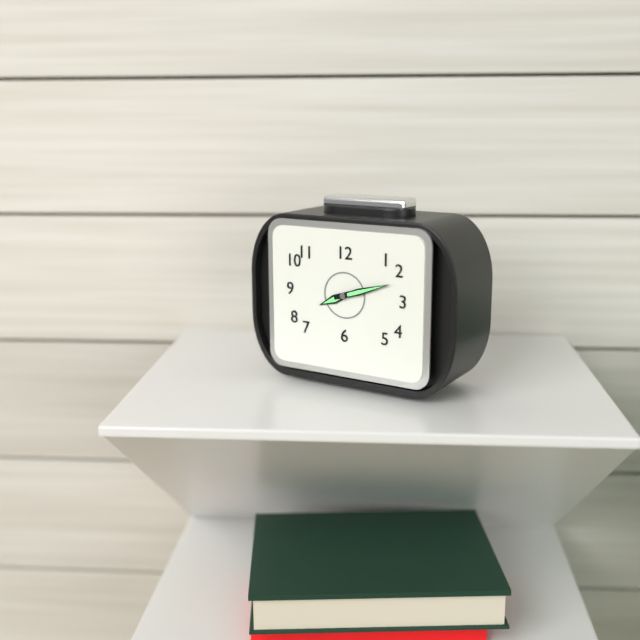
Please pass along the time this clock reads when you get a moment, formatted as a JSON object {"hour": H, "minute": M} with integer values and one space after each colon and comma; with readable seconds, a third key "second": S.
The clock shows {"hour": 8, "minute": 12}
